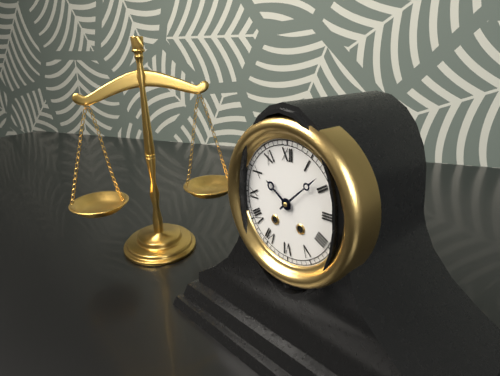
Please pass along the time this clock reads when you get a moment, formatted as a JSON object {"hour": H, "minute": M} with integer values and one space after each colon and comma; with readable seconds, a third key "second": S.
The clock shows {"hour": 10, "minute": 8}
